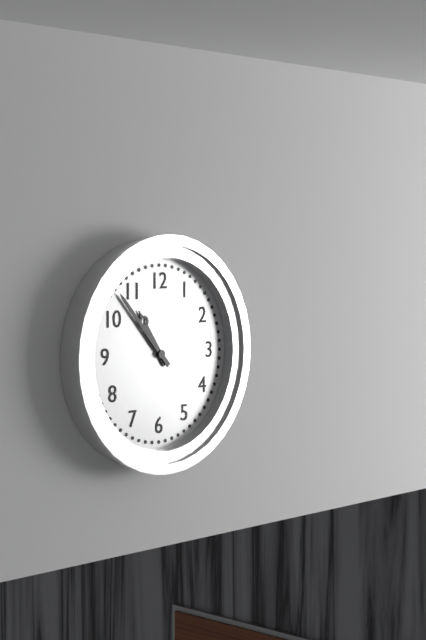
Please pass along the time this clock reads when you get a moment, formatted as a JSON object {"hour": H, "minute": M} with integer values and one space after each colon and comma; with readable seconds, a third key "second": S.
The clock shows {"hour": 10, "minute": 53}
